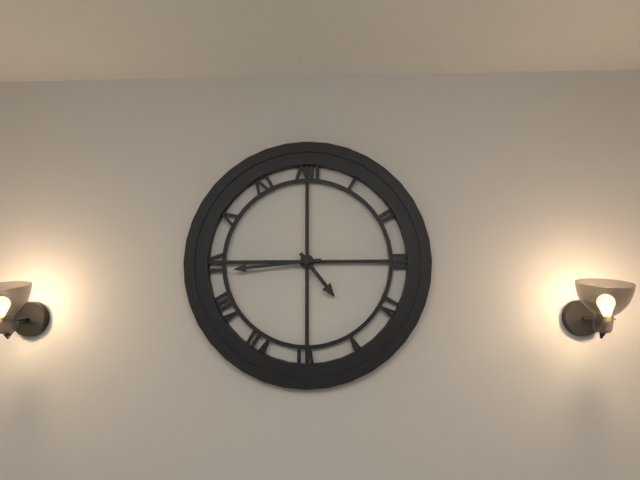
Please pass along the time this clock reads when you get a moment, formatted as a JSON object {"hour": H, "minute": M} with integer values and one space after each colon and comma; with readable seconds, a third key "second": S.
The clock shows {"hour": 4, "minute": 44}
